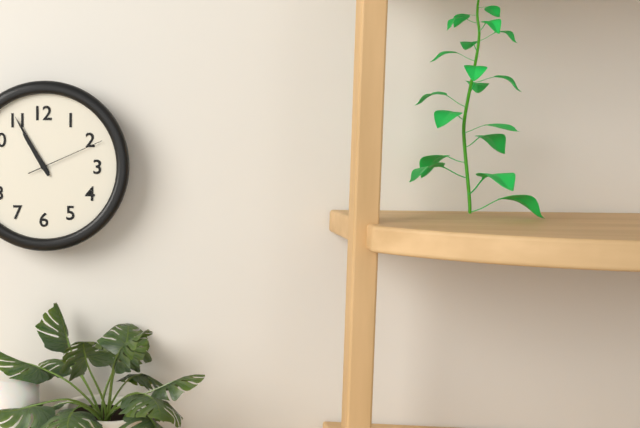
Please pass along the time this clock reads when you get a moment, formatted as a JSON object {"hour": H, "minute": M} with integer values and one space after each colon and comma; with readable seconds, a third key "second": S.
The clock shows {"hour": 10, "minute": 55, "second": 11}
